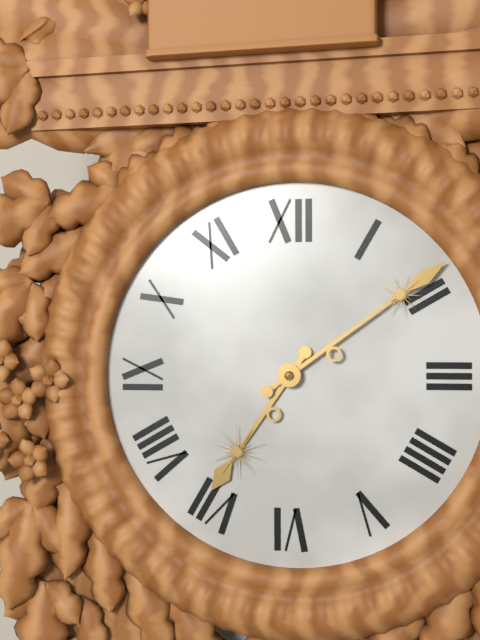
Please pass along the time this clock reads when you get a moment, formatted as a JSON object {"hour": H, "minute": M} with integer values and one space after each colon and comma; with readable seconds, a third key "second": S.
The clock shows {"hour": 7, "minute": 9}
